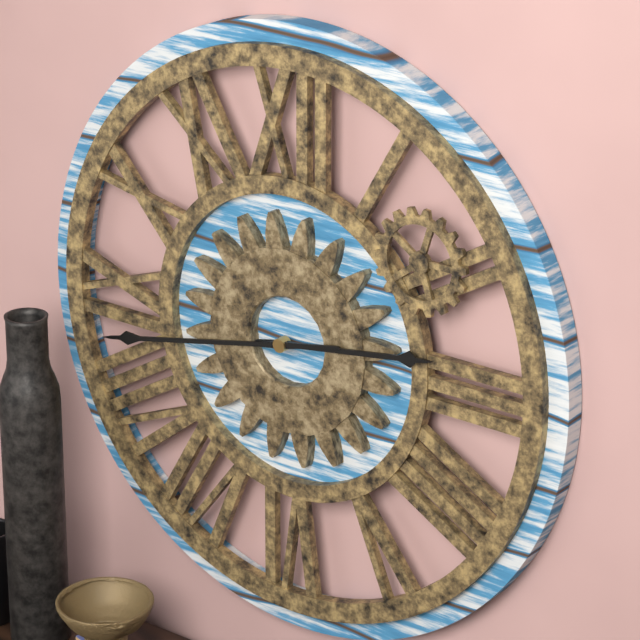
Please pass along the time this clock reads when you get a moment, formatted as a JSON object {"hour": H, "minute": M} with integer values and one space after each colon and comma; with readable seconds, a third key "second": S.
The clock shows {"hour": 2, "minute": 43}
